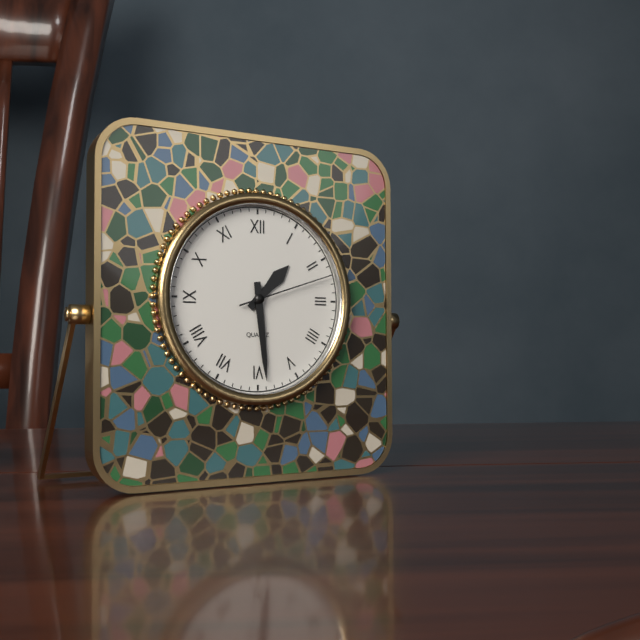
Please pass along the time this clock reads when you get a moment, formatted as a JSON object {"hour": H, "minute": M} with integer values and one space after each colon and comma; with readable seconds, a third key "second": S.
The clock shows {"hour": 1, "minute": 29, "second": 12}
